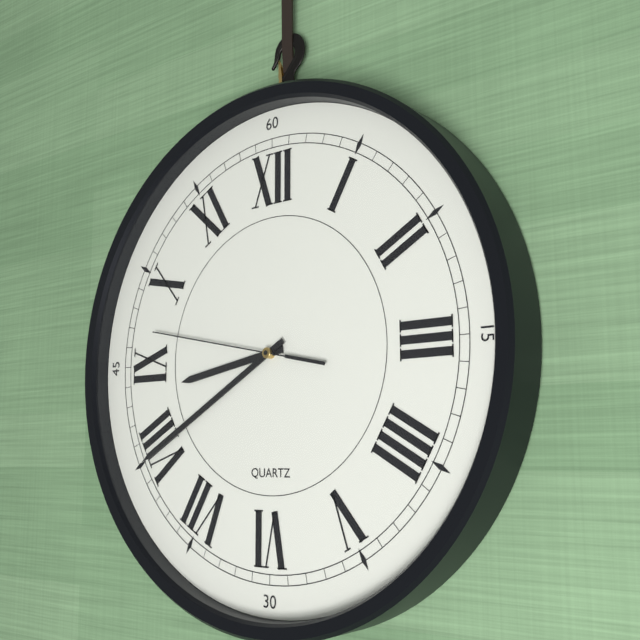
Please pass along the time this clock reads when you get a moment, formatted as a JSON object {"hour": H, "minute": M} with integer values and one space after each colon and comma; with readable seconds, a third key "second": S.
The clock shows {"hour": 8, "minute": 40, "second": 47}
